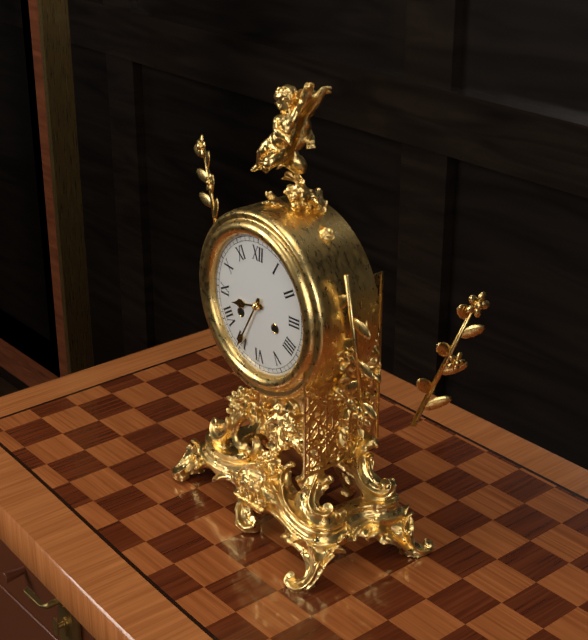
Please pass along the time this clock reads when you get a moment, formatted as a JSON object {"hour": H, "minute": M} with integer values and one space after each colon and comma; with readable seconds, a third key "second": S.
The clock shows {"hour": 8, "minute": 35}
